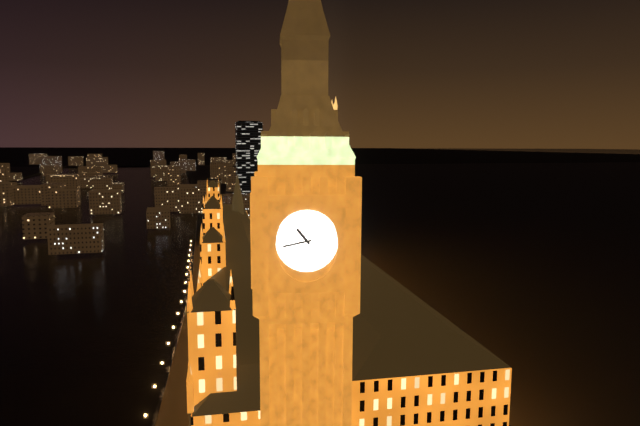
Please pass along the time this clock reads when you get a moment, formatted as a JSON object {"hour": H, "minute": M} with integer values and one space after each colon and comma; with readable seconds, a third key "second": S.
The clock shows {"hour": 10, "minute": 43}
